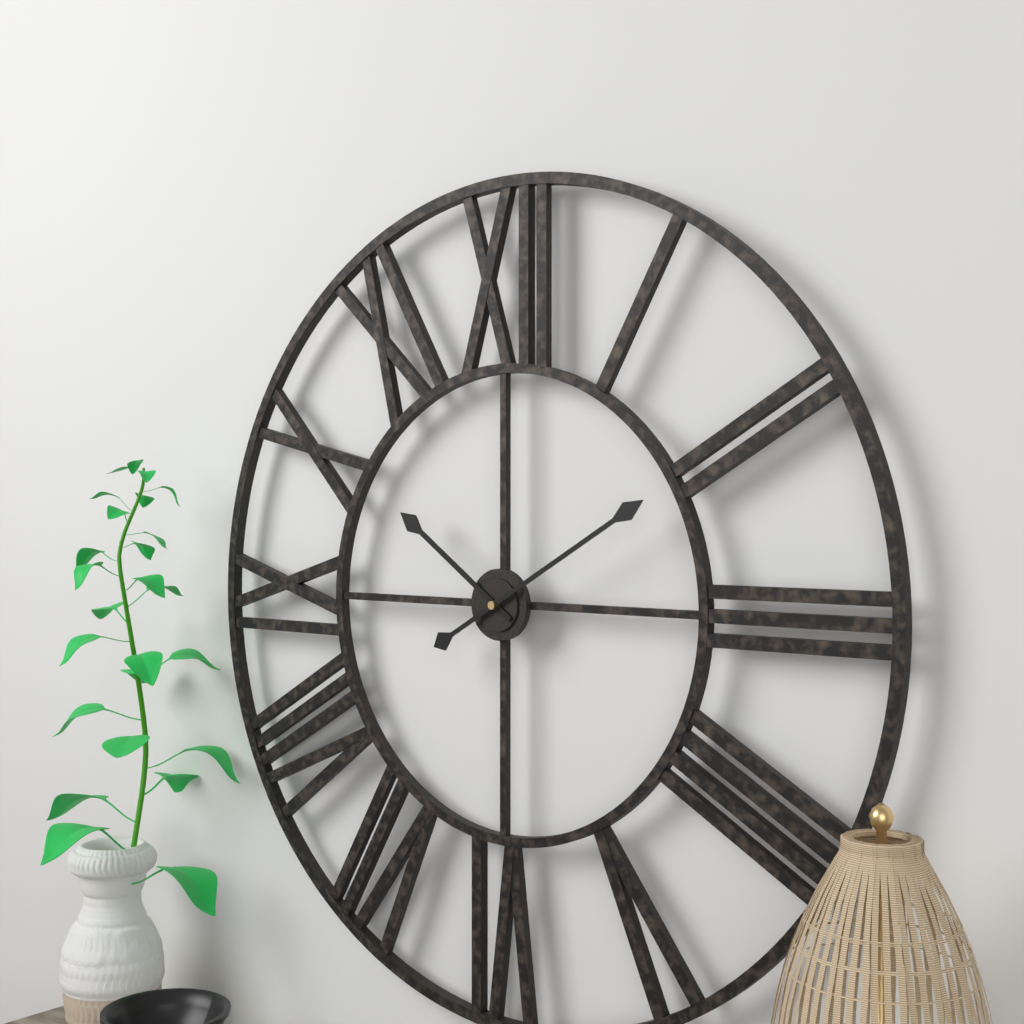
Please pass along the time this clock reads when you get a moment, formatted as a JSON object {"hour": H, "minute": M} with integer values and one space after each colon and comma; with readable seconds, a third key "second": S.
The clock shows {"hour": 10, "minute": 10}
